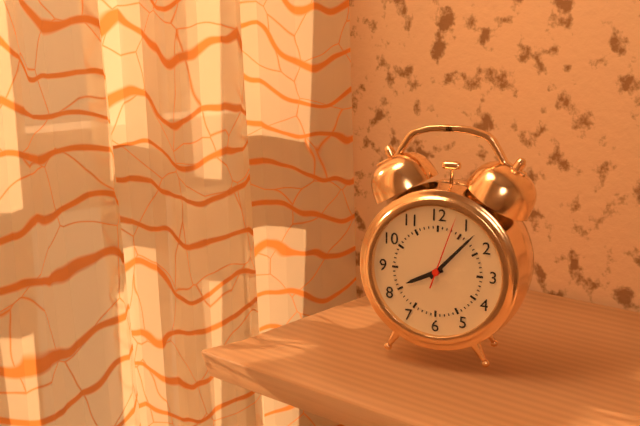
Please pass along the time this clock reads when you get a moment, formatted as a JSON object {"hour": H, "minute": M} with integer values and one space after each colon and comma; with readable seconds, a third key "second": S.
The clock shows {"hour": 8, "minute": 7, "second": 3}
